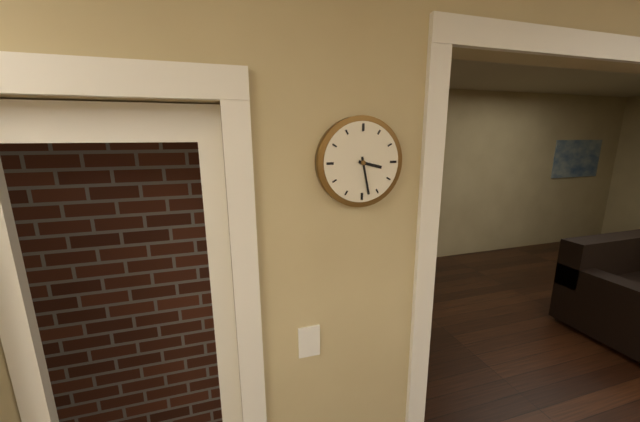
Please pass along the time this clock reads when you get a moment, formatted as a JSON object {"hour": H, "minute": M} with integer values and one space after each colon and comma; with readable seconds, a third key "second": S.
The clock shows {"hour": 3, "minute": 28}
